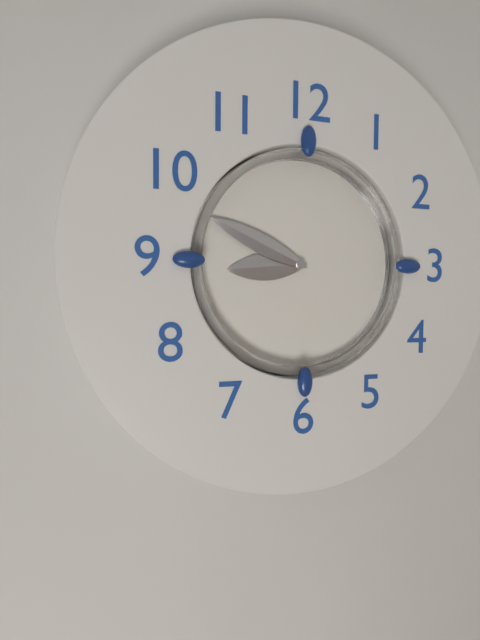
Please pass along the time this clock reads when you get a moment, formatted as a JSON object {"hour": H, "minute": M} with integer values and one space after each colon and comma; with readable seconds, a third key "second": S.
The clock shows {"hour": 8, "minute": 49}
